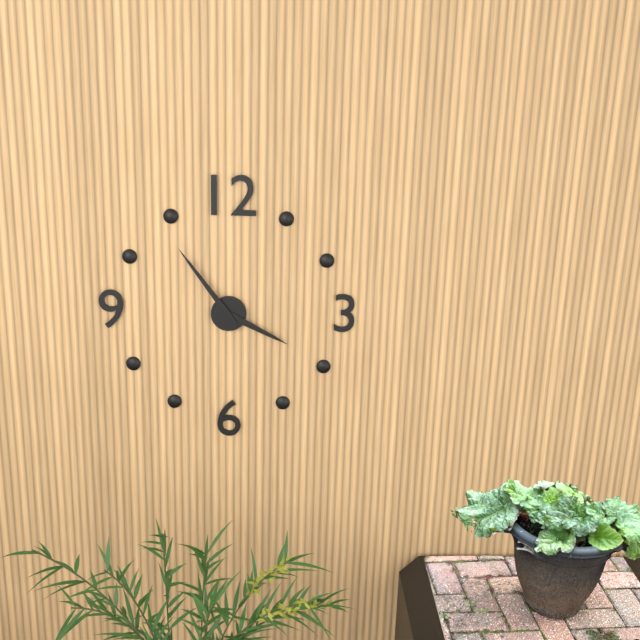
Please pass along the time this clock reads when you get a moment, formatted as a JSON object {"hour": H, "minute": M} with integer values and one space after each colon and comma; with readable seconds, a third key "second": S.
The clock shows {"hour": 3, "minute": 54}
